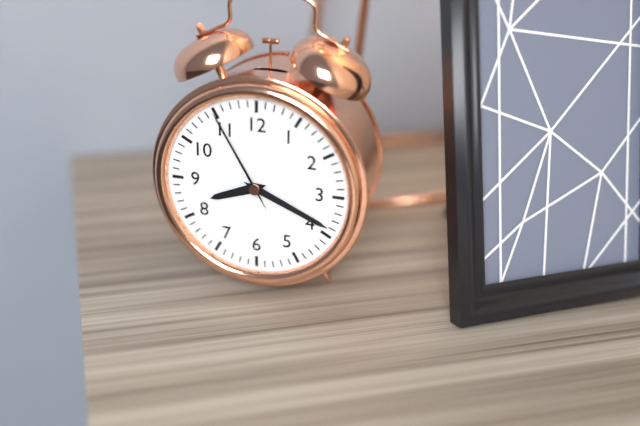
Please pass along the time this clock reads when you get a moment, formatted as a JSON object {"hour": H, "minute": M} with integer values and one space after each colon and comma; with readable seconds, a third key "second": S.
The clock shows {"hour": 8, "minute": 19, "second": 55}
